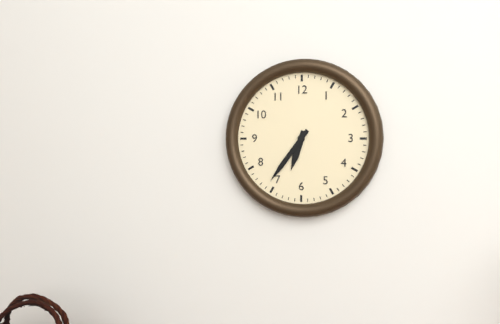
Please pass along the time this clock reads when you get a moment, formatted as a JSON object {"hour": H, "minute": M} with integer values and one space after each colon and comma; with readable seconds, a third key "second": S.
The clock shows {"hour": 6, "minute": 36}
